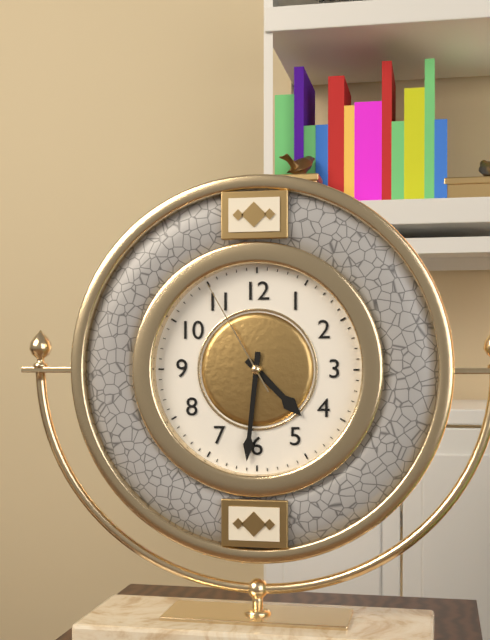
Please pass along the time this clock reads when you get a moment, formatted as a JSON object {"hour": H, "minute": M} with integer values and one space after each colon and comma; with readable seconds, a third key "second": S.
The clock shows {"hour": 4, "minute": 31, "second": 55}
